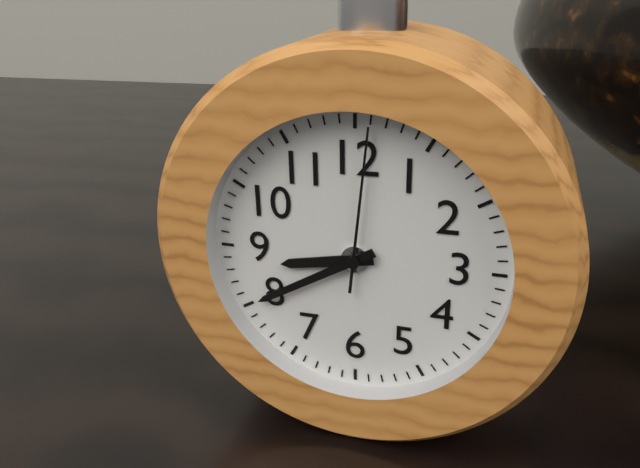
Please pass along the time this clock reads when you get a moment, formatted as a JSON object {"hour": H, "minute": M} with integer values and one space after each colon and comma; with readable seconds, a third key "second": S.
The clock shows {"hour": 8, "minute": 40, "second": 1}
